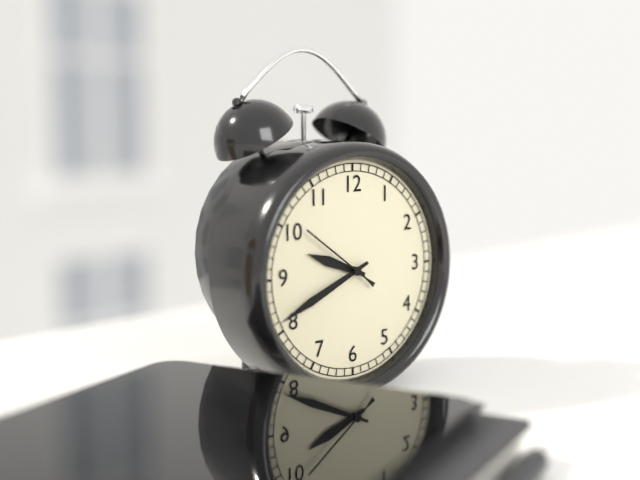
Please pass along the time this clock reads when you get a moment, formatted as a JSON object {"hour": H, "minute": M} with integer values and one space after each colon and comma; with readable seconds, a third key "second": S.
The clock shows {"hour": 9, "minute": 41, "second": 51}
